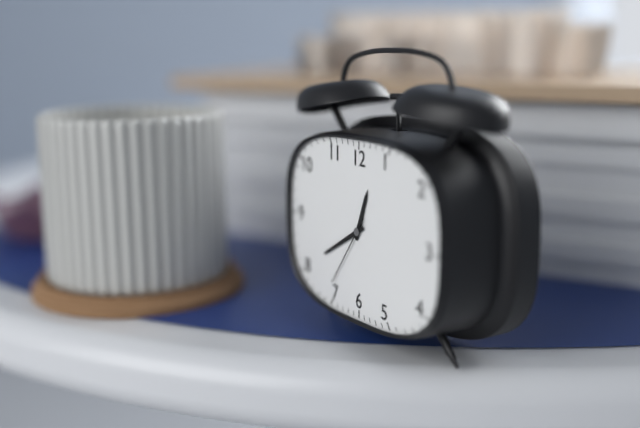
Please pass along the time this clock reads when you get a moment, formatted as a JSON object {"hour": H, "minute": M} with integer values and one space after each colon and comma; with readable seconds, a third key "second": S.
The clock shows {"hour": 12, "minute": 40, "second": 36}
